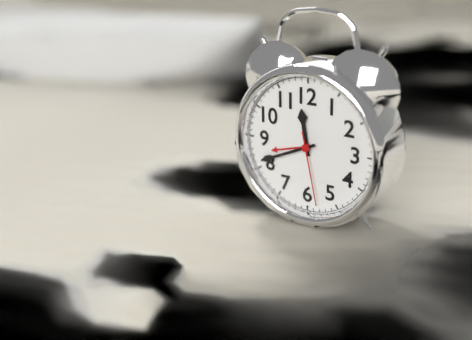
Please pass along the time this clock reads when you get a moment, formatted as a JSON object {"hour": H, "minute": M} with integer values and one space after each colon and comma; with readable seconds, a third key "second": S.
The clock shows {"hour": 11, "minute": 41, "second": 28}
